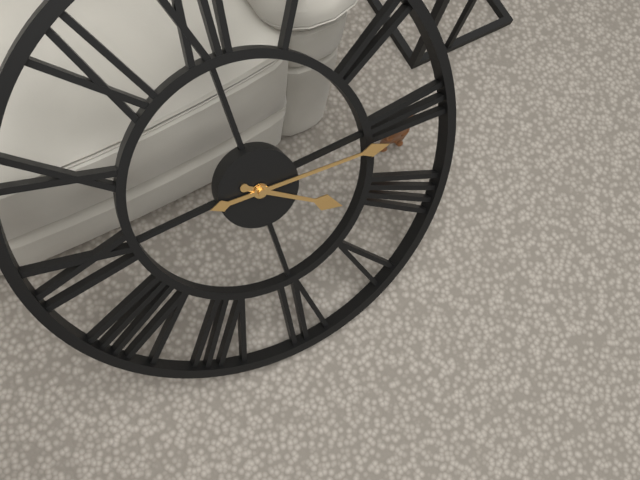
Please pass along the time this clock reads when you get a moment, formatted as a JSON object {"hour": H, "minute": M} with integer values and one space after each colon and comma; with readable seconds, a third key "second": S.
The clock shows {"hour": 4, "minute": 16}
